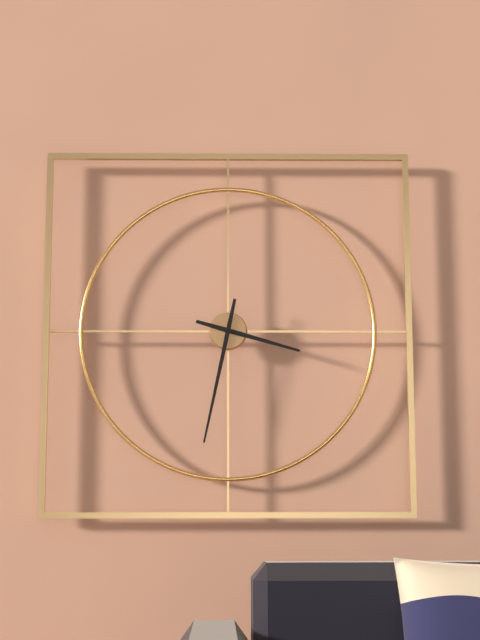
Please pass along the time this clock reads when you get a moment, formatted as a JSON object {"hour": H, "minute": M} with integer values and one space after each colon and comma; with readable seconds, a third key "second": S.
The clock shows {"hour": 3, "minute": 32}
